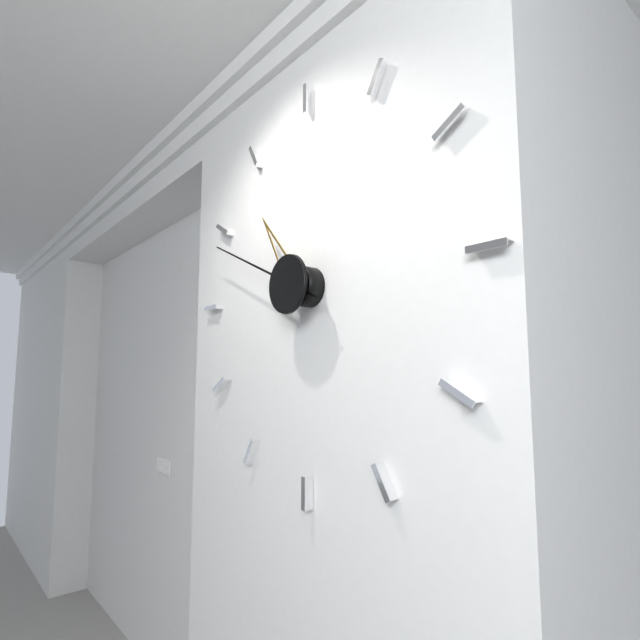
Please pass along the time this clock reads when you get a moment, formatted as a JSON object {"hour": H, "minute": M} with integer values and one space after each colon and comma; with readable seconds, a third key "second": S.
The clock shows {"hour": 10, "minute": 49}
